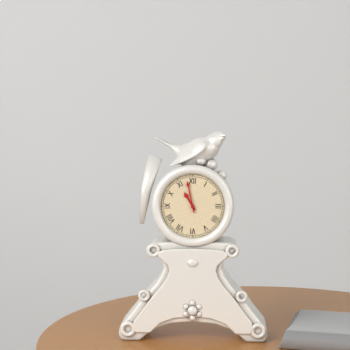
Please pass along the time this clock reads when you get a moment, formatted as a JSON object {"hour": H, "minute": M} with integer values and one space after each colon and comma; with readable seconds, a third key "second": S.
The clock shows {"hour": 10, "minute": 58}
